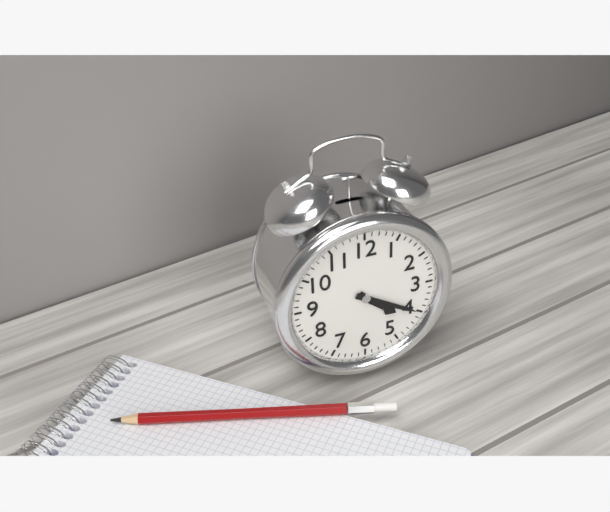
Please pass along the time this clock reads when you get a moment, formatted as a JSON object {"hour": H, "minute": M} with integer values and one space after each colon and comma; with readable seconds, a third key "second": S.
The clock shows {"hour": 4, "minute": 20}
